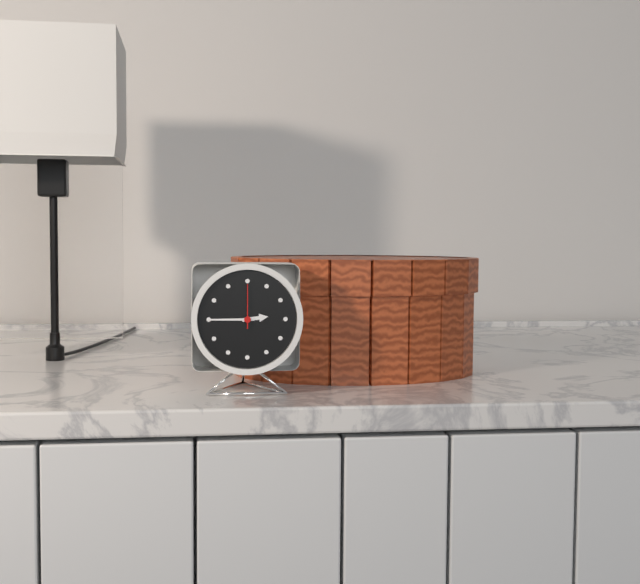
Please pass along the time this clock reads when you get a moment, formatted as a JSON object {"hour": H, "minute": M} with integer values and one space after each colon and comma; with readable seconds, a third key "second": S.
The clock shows {"hour": 2, "minute": 45}
